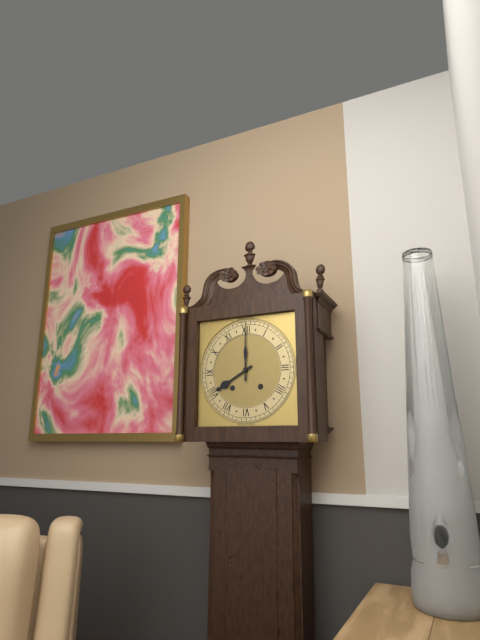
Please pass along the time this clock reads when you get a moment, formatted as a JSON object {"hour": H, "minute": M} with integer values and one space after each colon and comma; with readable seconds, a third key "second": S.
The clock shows {"hour": 8, "minute": 0}
